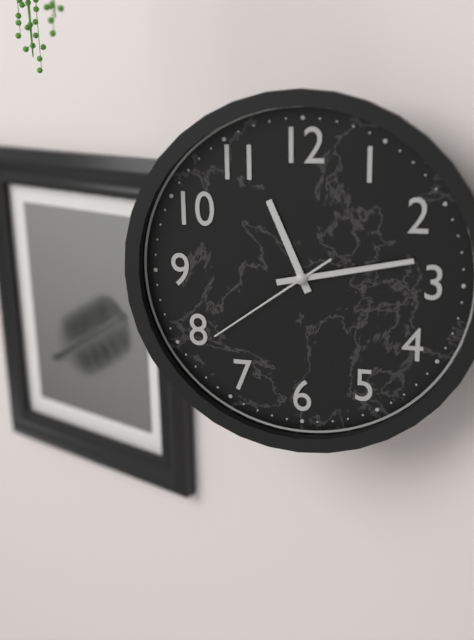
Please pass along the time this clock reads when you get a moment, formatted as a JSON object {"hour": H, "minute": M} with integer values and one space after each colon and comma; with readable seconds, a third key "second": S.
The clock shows {"hour": 11, "minute": 13, "second": 39}
